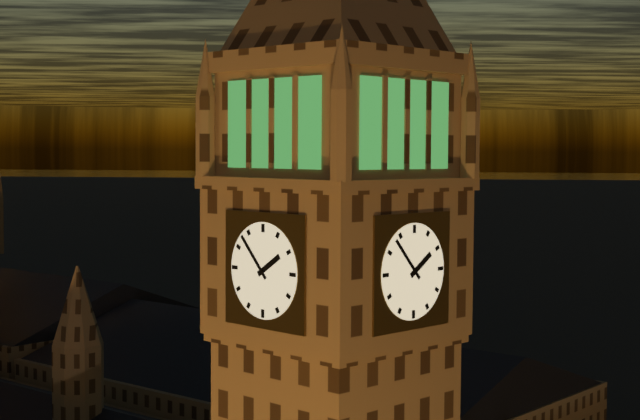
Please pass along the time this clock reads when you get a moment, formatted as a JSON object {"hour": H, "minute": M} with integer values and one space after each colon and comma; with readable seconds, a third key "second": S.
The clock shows {"hour": 1, "minute": 53}
